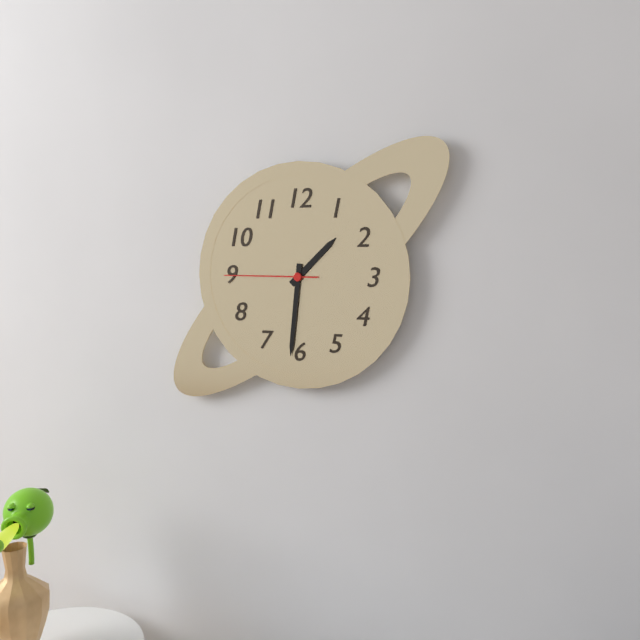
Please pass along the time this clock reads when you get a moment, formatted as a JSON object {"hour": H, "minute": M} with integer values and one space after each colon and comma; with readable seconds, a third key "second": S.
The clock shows {"hour": 1, "minute": 31, "second": 45}
